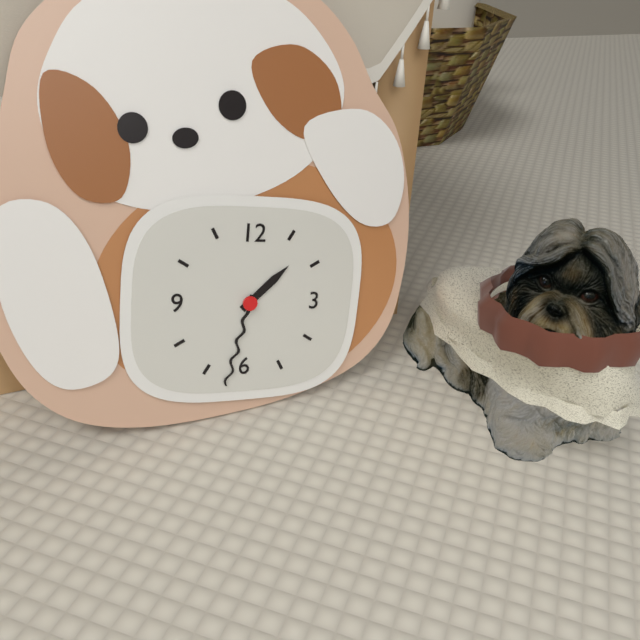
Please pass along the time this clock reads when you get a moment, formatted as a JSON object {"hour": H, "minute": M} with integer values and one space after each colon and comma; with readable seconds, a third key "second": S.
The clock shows {"hour": 1, "minute": 32}
